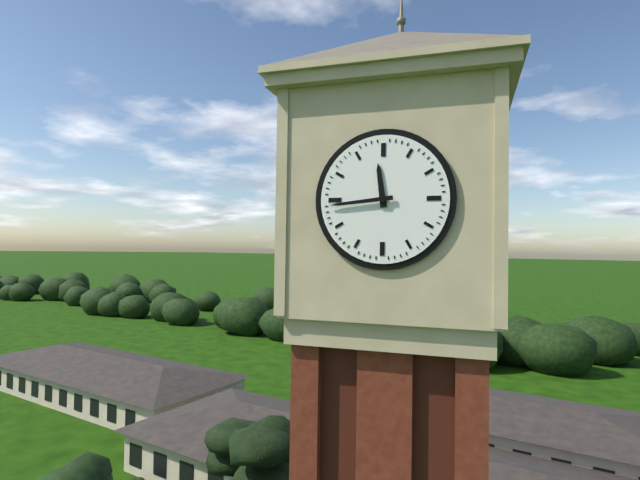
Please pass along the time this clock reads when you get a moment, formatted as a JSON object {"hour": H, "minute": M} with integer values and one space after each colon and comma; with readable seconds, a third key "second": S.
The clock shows {"hour": 11, "minute": 44}
